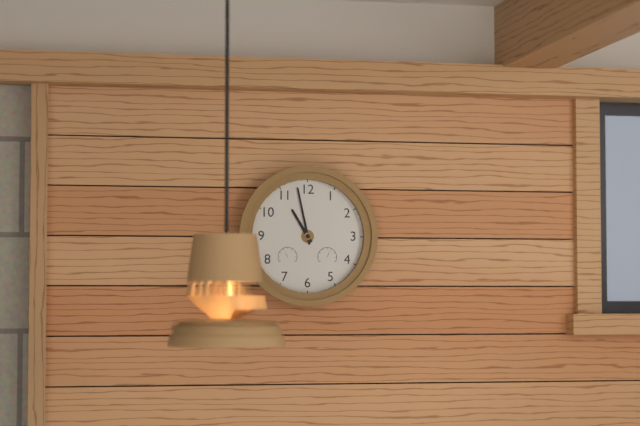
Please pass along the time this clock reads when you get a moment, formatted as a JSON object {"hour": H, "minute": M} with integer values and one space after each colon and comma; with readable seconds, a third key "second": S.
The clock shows {"hour": 10, "minute": 58}
